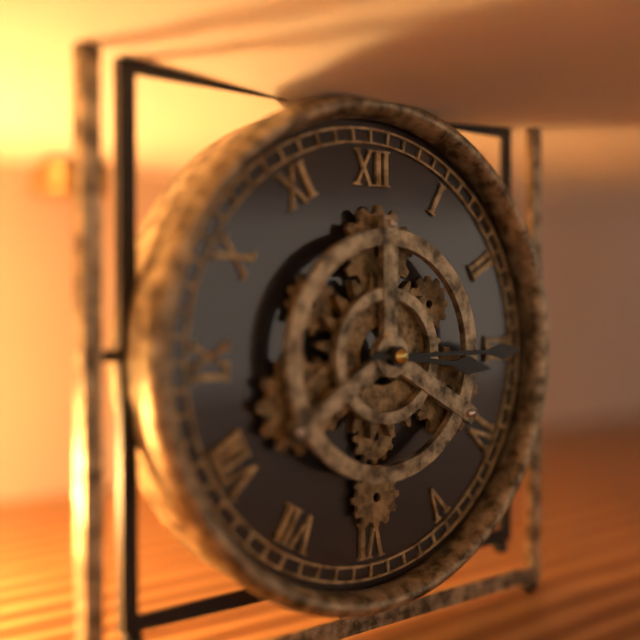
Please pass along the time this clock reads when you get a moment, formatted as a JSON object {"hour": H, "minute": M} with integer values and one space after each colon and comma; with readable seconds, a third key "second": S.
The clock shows {"hour": 3, "minute": 15}
